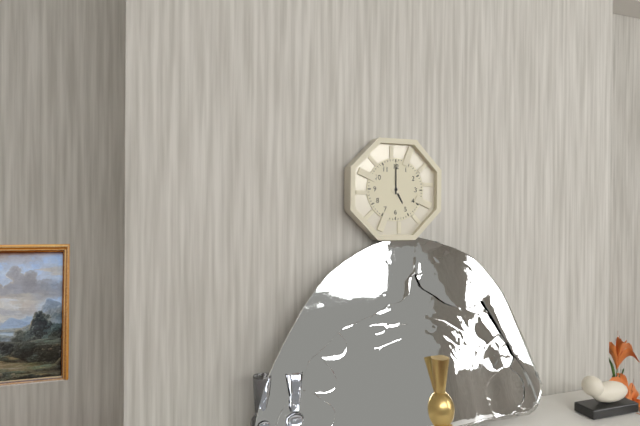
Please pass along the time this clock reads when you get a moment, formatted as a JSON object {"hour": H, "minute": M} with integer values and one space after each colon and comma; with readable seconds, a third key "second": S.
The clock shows {"hour": 5, "minute": 0}
